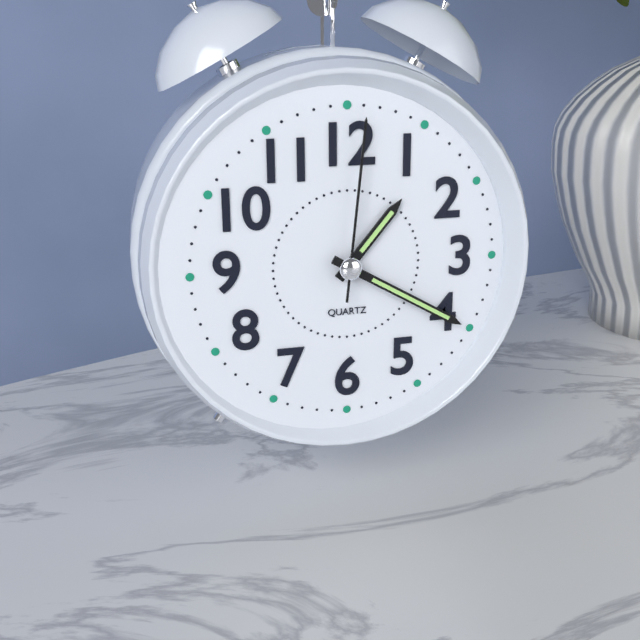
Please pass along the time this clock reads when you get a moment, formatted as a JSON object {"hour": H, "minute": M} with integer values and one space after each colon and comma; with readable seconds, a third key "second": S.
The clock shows {"hour": 1, "minute": 20, "second": 1}
